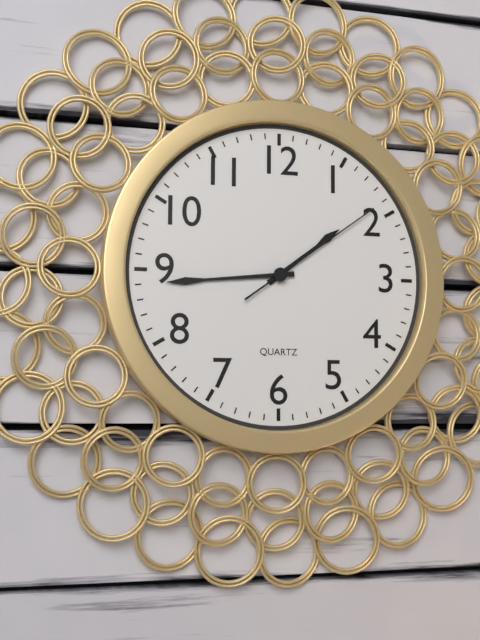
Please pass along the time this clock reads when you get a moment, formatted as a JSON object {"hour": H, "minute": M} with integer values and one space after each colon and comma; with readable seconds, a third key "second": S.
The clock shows {"hour": 1, "minute": 44, "second": 9}
